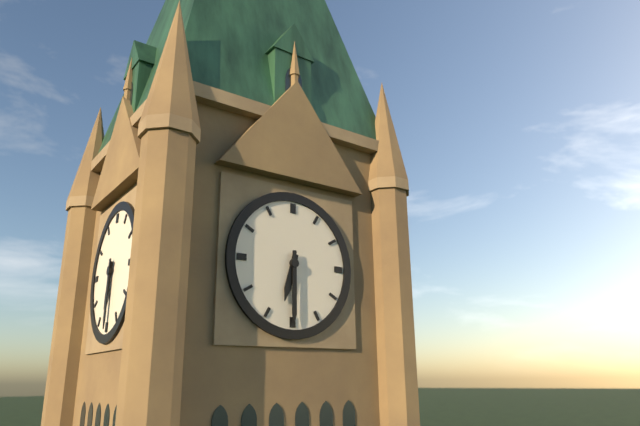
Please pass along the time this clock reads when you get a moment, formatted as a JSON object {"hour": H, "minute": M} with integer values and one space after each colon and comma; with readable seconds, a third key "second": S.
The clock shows {"hour": 6, "minute": 30}
